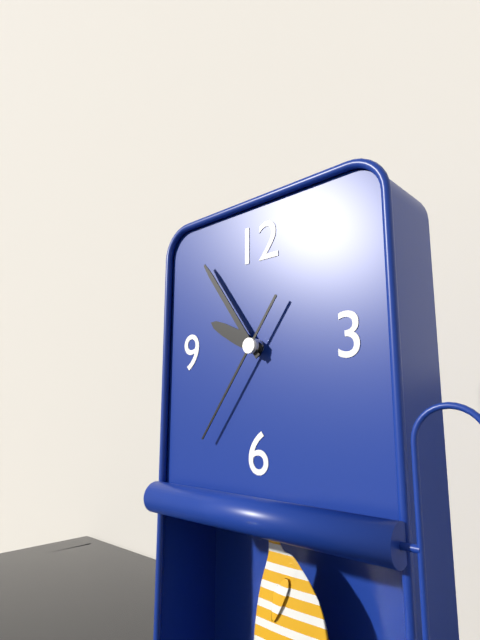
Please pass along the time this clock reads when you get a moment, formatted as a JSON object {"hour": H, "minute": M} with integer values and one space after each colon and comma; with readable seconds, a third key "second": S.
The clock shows {"hour": 9, "minute": 54, "second": 36}
